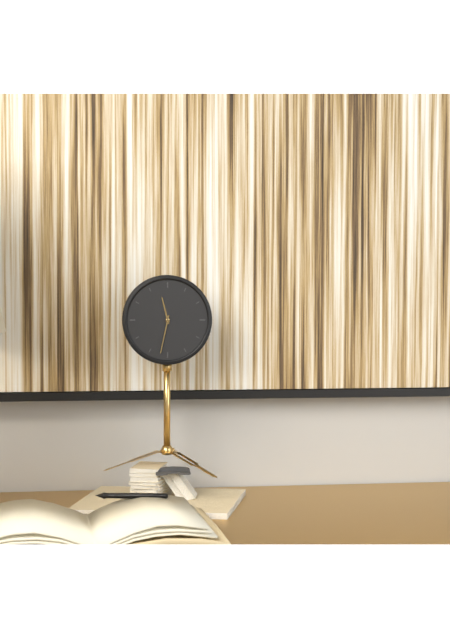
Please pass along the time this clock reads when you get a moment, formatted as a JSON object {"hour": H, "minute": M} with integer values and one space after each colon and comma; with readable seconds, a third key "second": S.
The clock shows {"hour": 11, "minute": 32}
